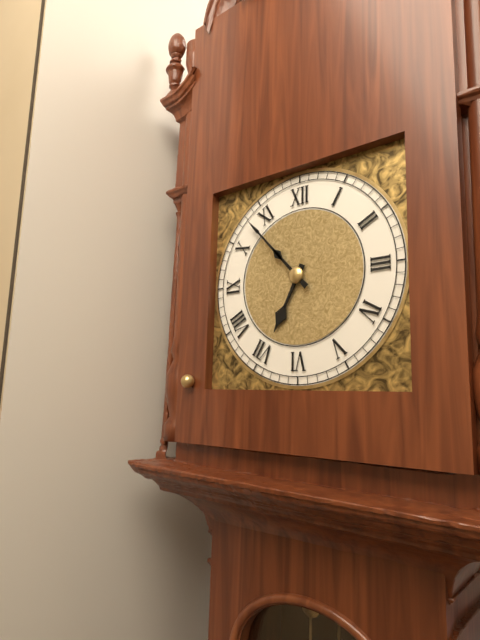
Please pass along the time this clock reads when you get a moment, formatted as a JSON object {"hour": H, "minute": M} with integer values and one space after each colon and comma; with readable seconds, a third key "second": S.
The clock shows {"hour": 6, "minute": 53}
